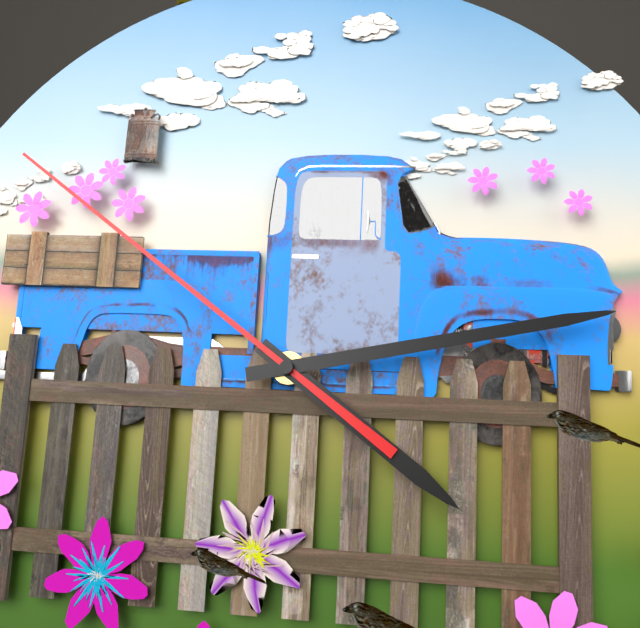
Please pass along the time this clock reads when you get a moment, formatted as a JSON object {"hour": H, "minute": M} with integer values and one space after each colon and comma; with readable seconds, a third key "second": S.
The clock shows {"hour": 4, "minute": 13, "second": 51}
